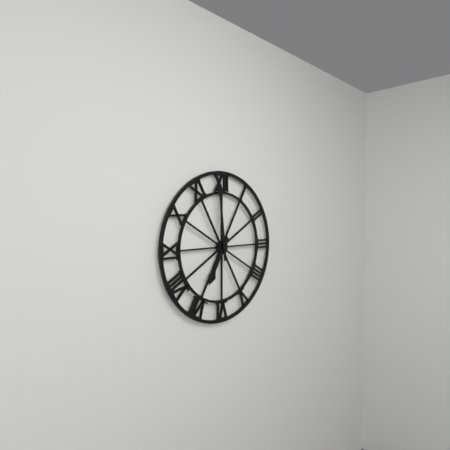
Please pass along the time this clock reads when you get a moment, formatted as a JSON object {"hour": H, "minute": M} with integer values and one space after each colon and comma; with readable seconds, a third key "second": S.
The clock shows {"hour": 6, "minute": 59}
